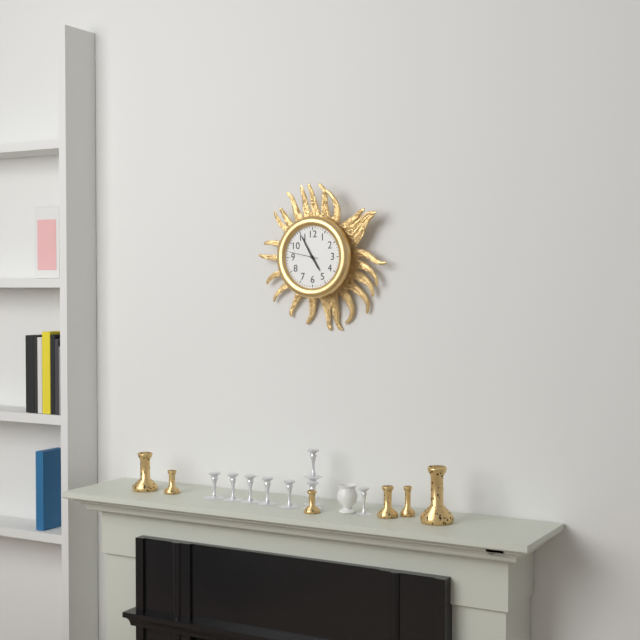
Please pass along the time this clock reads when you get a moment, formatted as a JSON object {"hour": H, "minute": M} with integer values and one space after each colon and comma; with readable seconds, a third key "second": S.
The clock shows {"hour": 4, "minute": 55}
